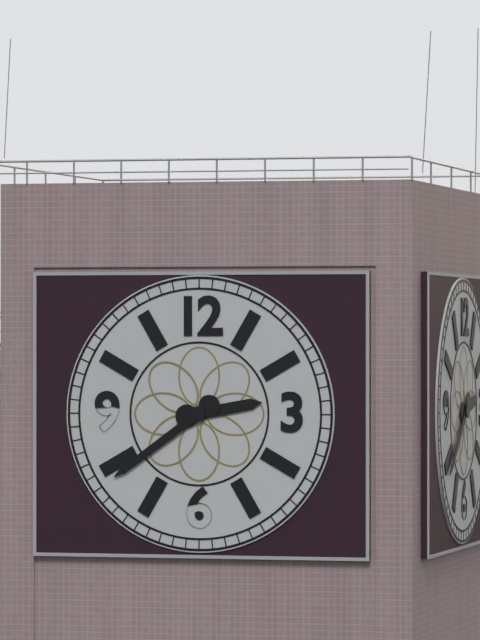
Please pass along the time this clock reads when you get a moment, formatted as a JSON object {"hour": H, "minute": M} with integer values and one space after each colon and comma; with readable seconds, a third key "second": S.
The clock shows {"hour": 2, "minute": 39}
